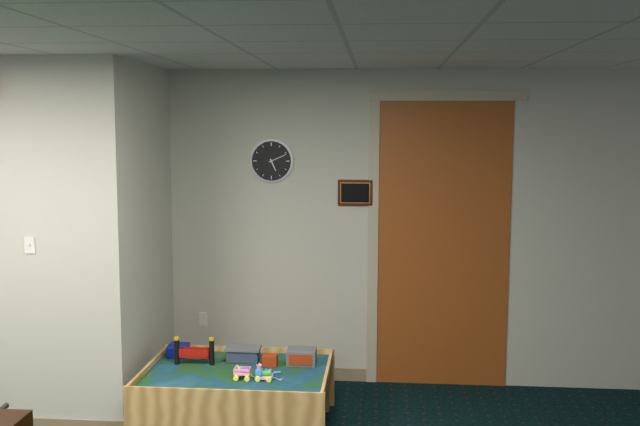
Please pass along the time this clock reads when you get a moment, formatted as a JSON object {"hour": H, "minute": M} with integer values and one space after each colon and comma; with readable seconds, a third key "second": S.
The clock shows {"hour": 5, "minute": 11}
